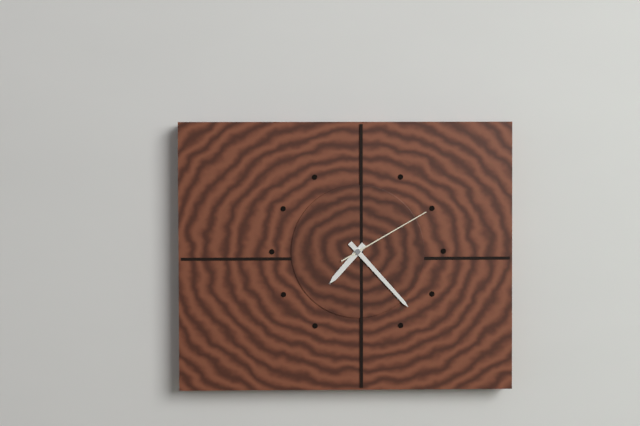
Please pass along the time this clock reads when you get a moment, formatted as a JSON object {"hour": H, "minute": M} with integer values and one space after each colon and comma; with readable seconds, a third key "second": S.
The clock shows {"hour": 7, "minute": 23, "second": 10}
